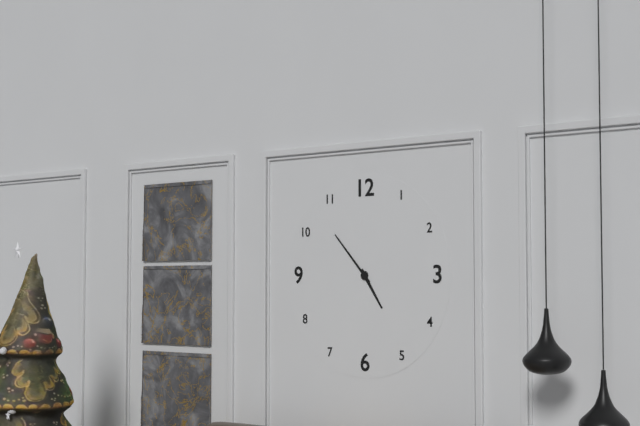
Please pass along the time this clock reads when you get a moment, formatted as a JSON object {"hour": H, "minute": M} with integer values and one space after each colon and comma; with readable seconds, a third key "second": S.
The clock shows {"hour": 4, "minute": 53}
